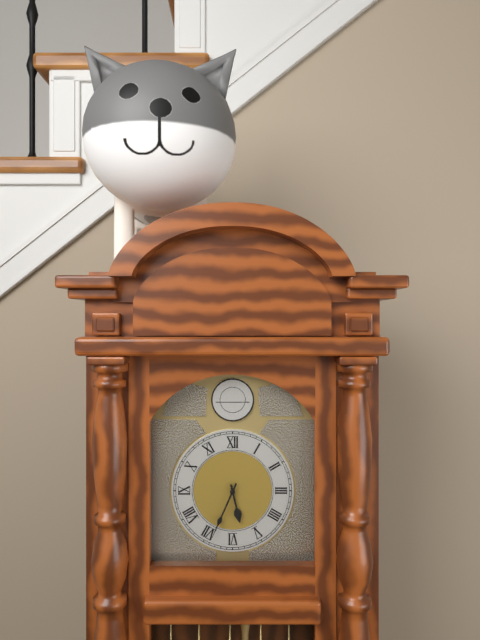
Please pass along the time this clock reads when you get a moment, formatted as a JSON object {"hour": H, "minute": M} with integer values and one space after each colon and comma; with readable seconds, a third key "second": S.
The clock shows {"hour": 5, "minute": 34}
